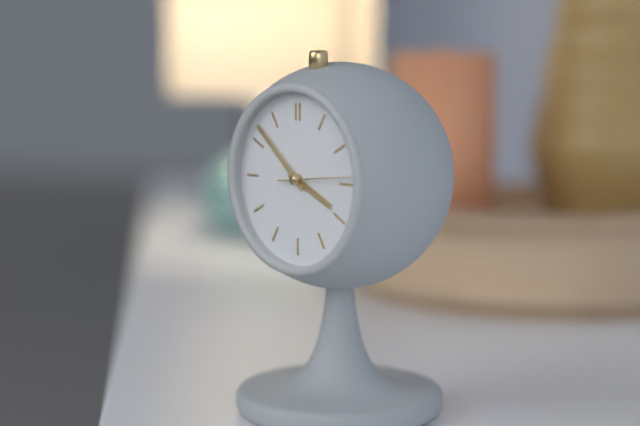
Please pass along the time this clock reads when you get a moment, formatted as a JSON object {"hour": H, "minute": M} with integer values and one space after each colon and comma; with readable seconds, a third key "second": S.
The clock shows {"hour": 3, "minute": 52, "second": 14}
